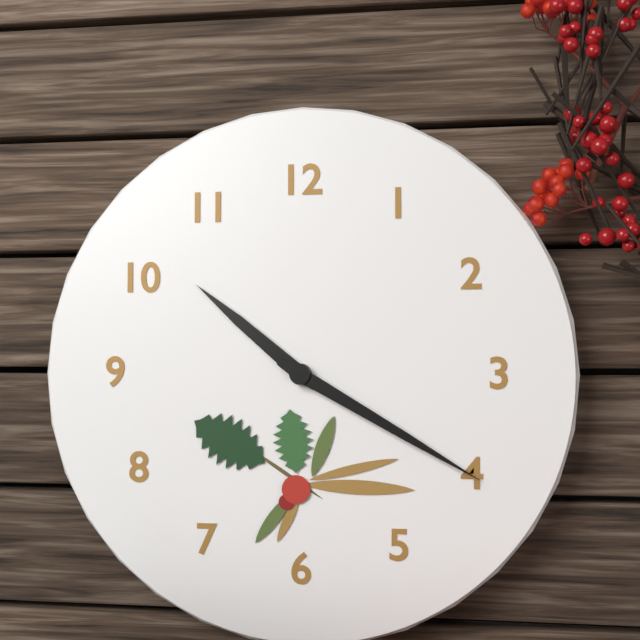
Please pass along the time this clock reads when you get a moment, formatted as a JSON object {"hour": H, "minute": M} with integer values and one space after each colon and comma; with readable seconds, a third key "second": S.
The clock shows {"hour": 10, "minute": 20}
